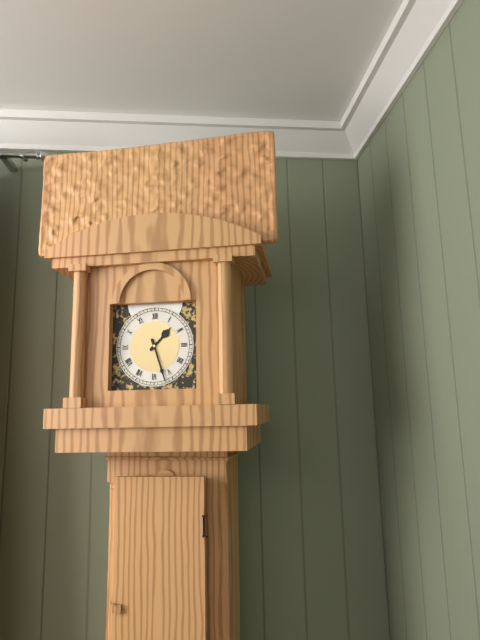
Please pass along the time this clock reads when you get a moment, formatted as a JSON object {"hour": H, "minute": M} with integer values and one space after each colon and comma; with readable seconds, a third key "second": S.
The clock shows {"hour": 1, "minute": 27}
